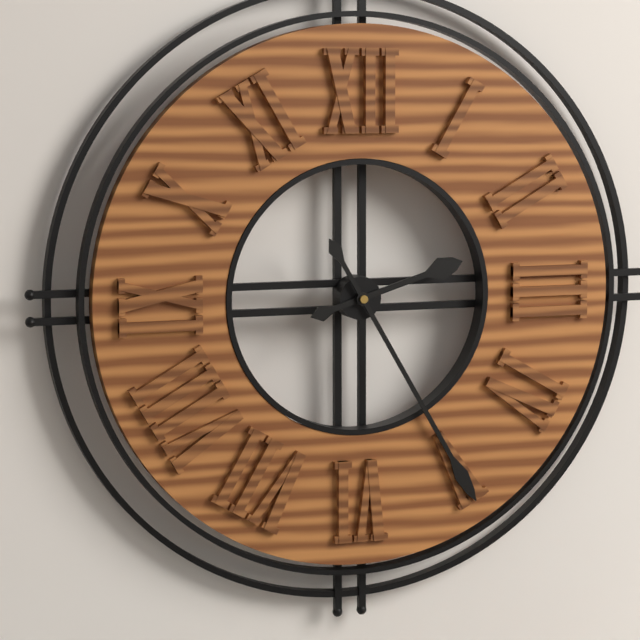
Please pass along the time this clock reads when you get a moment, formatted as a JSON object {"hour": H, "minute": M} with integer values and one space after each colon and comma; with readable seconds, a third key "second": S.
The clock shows {"hour": 2, "minute": 25}
